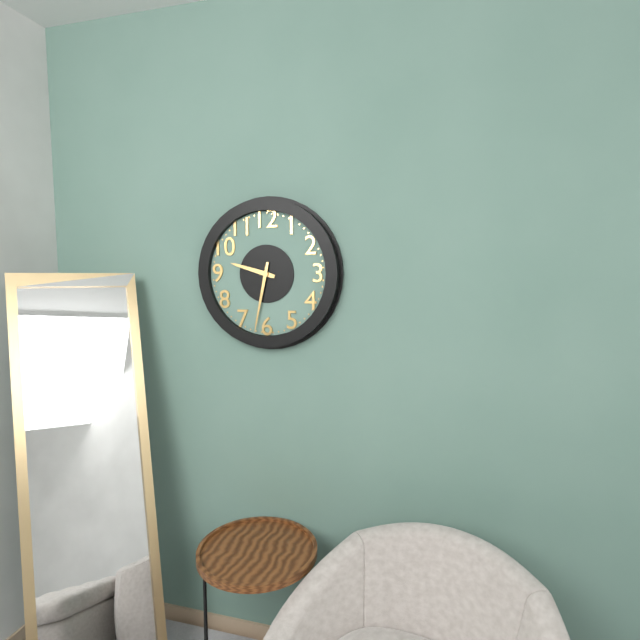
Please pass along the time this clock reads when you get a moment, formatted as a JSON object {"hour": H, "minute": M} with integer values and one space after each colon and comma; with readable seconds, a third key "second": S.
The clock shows {"hour": 9, "minute": 32}
